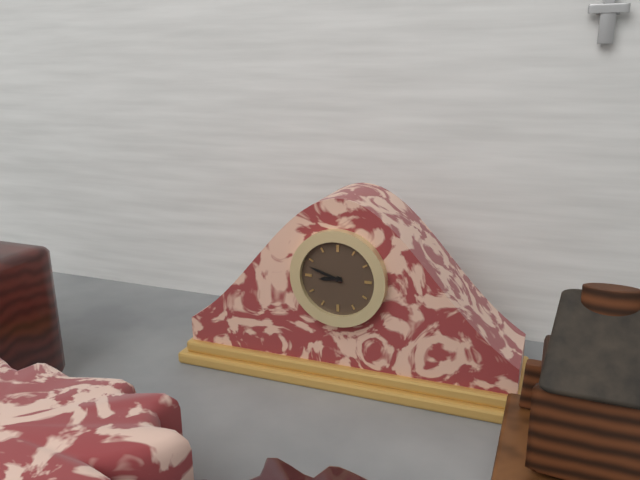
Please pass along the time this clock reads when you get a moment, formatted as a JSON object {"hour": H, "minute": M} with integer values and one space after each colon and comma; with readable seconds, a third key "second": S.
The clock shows {"hour": 8, "minute": 48}
